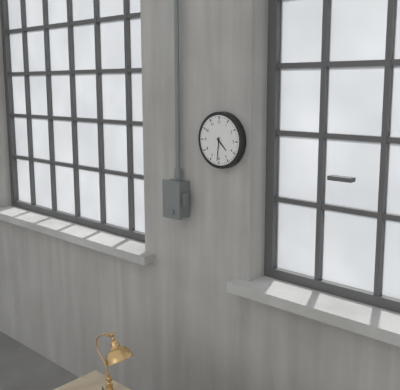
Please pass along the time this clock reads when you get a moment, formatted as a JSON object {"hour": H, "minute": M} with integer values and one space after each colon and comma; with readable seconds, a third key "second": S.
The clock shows {"hour": 4, "minute": 31}
